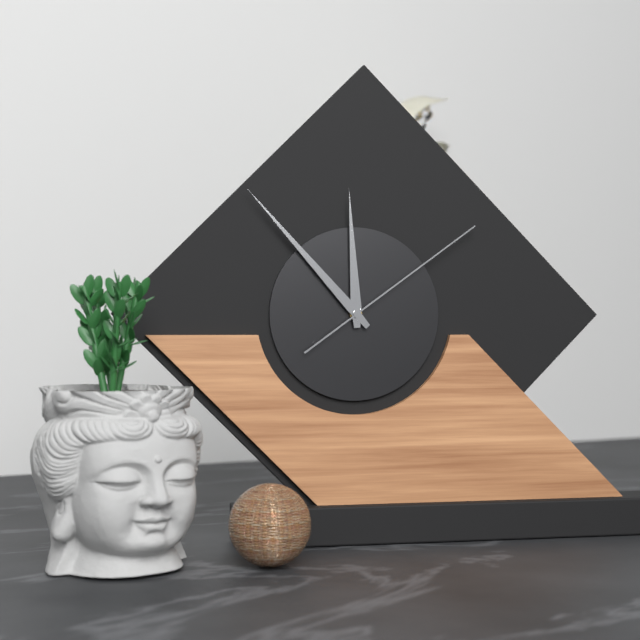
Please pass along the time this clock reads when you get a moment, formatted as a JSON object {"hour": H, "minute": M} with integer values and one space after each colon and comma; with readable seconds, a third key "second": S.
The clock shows {"hour": 11, "minute": 53, "second": 9}
